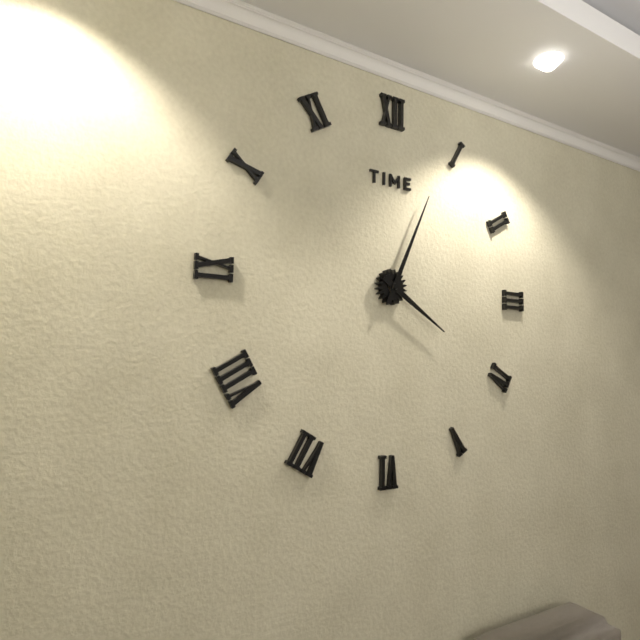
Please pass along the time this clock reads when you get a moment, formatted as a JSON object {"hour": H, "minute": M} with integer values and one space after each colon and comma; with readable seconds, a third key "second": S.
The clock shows {"hour": 4, "minute": 4}
